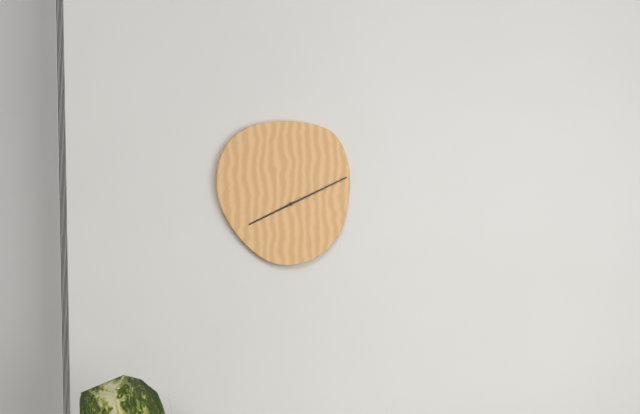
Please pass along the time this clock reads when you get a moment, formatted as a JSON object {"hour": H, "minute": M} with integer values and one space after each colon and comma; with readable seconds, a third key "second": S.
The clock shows {"hour": 8, "minute": 11}
